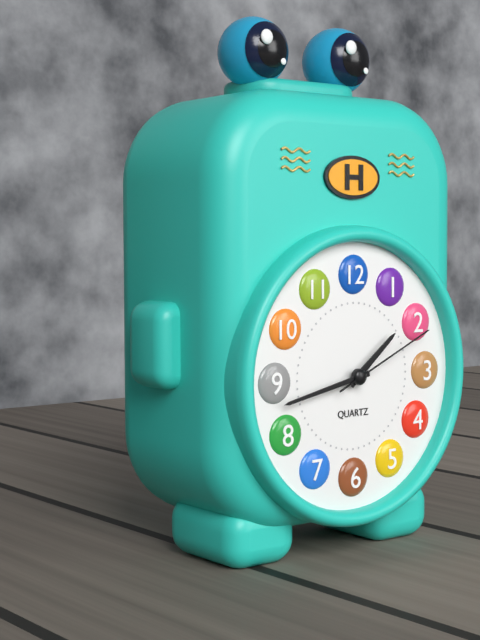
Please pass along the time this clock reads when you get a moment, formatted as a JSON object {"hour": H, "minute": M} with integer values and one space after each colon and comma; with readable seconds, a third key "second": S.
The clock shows {"hour": 1, "minute": 43, "second": 11}
